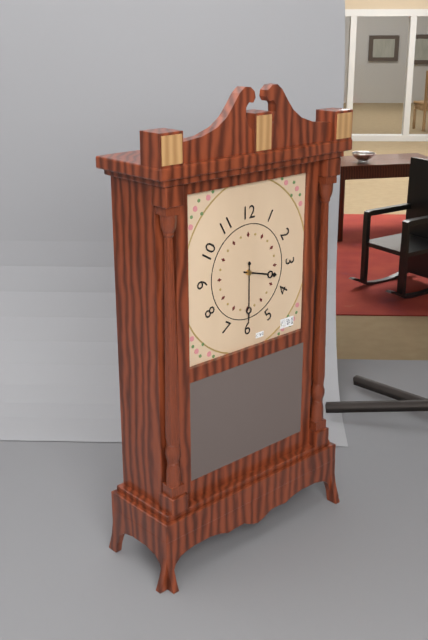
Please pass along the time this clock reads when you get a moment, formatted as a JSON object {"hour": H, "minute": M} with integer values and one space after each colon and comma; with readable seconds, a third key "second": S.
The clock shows {"hour": 3, "minute": 30}
